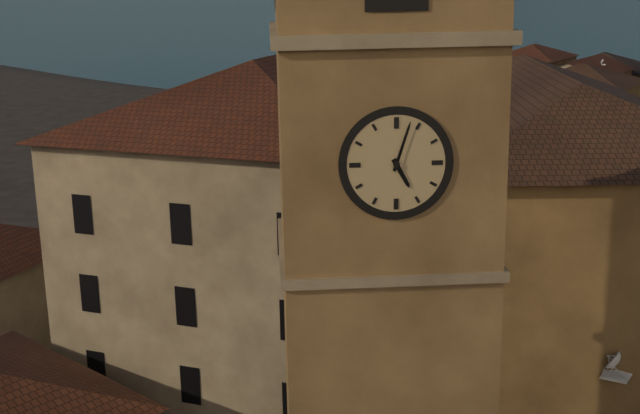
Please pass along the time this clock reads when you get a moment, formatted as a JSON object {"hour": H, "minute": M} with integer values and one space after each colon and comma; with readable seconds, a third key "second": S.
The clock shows {"hour": 5, "minute": 3}
